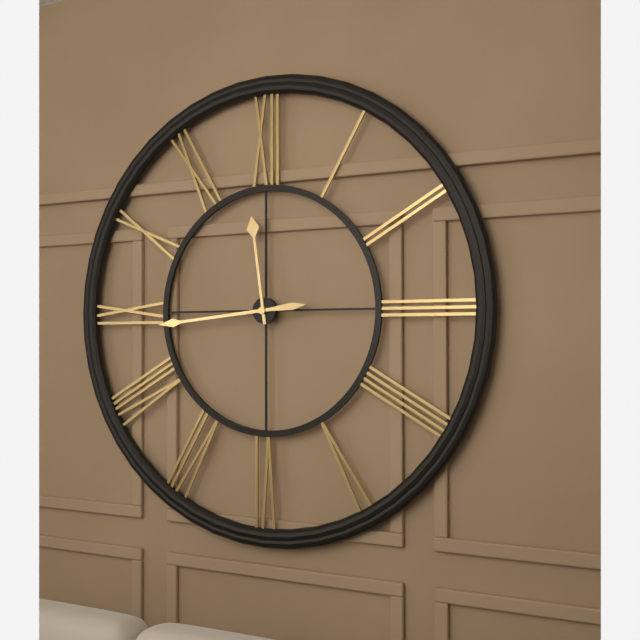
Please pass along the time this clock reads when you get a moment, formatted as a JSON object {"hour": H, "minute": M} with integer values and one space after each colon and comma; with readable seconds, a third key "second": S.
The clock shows {"hour": 11, "minute": 44}
